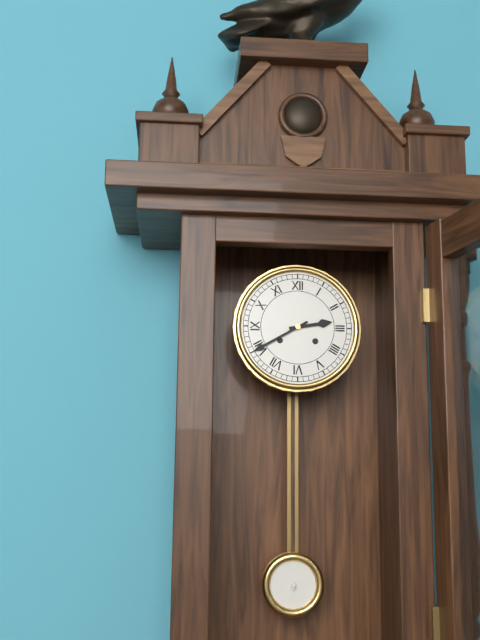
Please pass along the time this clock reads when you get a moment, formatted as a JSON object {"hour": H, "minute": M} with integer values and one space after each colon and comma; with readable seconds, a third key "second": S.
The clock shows {"hour": 2, "minute": 40}
